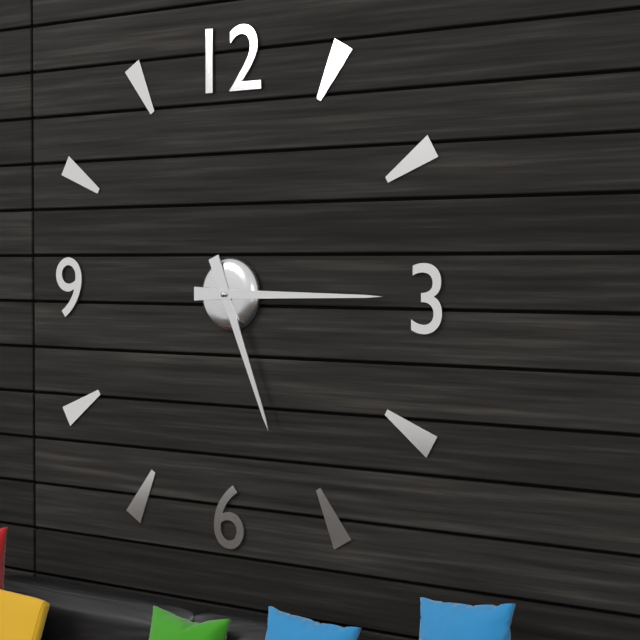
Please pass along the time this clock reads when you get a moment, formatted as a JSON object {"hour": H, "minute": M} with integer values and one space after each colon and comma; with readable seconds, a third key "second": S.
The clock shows {"hour": 5, "minute": 15}
